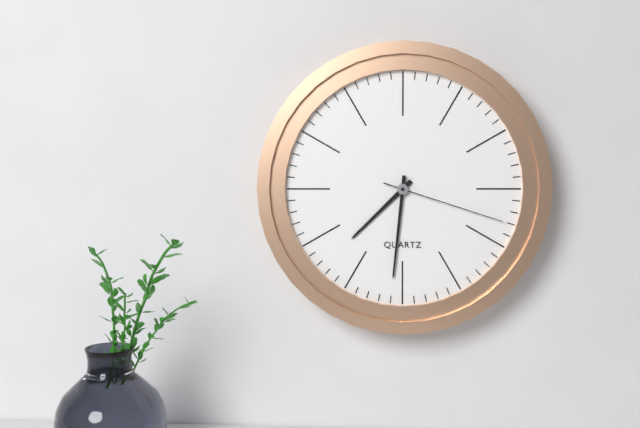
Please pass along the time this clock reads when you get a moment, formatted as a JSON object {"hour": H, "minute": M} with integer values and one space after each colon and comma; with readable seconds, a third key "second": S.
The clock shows {"hour": 7, "minute": 31, "second": 18}
